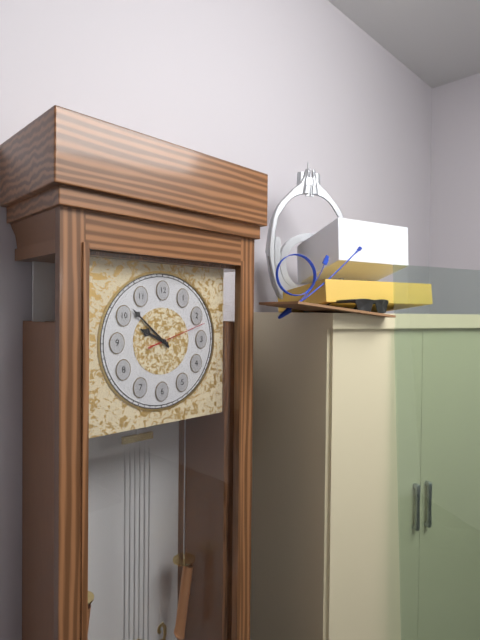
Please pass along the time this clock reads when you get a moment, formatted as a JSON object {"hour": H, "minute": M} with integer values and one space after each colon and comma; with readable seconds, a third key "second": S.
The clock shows {"hour": 9, "minute": 52, "second": 12}
